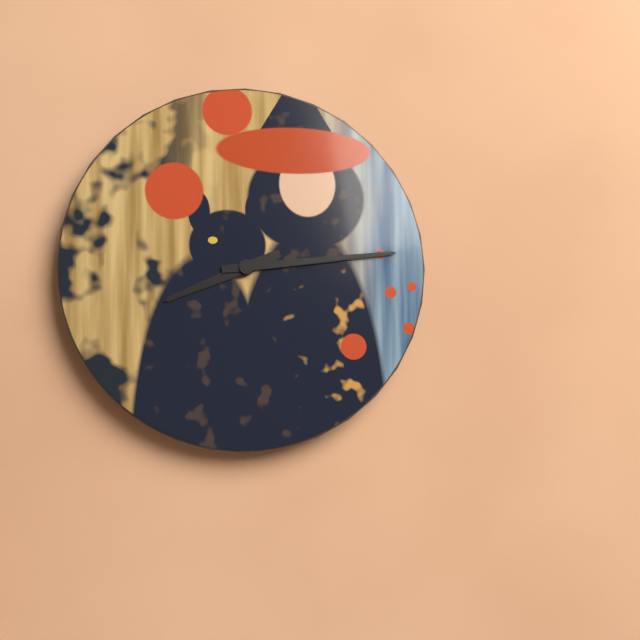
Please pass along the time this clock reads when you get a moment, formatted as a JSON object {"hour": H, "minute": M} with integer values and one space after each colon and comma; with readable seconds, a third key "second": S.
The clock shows {"hour": 8, "minute": 14}
